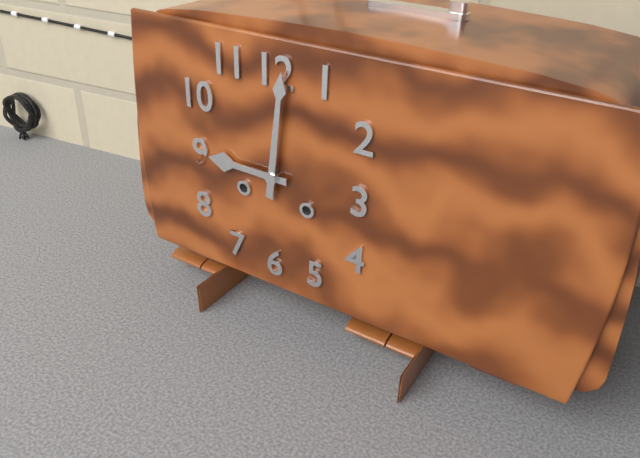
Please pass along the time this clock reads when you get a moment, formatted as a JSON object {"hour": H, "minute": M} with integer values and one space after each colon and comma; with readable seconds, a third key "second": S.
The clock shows {"hour": 9, "minute": 1}
